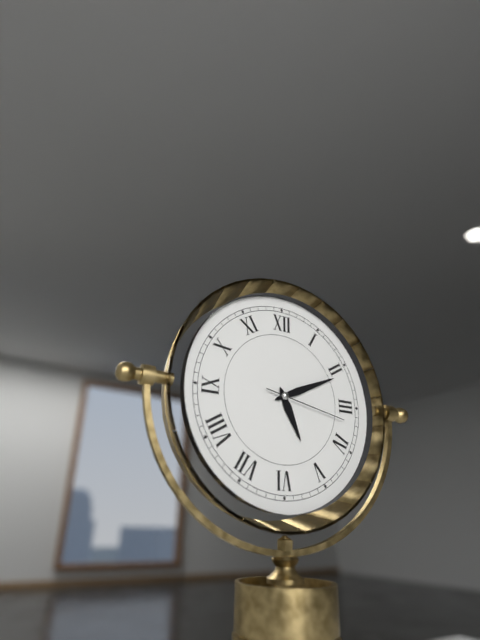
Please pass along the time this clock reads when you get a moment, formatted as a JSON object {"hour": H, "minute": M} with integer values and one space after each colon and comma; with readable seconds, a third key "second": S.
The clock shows {"hour": 5, "minute": 11, "second": 17}
